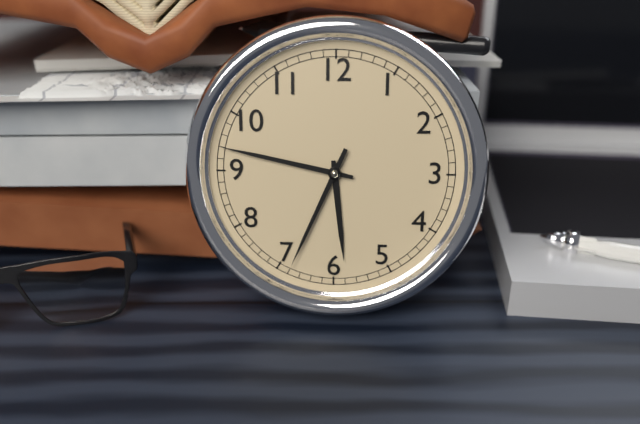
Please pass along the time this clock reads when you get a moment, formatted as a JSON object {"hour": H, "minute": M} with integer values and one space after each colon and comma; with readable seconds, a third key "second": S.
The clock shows {"hour": 5, "minute": 47, "second": 34}
